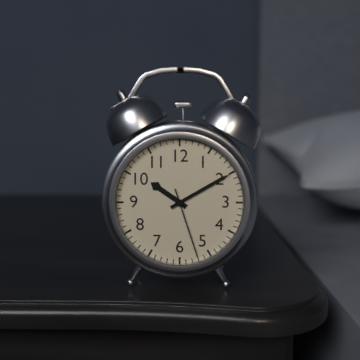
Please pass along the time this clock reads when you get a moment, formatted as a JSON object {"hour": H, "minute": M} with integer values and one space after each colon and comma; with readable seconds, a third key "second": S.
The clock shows {"hour": 10, "minute": 10, "second": 27}
